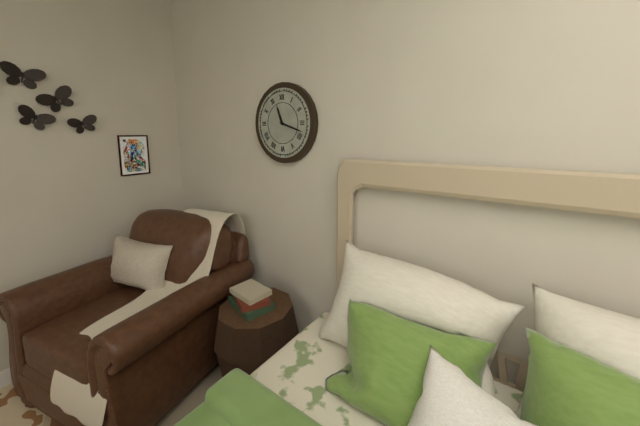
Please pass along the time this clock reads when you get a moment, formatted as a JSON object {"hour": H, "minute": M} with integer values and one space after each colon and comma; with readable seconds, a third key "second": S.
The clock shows {"hour": 11, "minute": 18}
